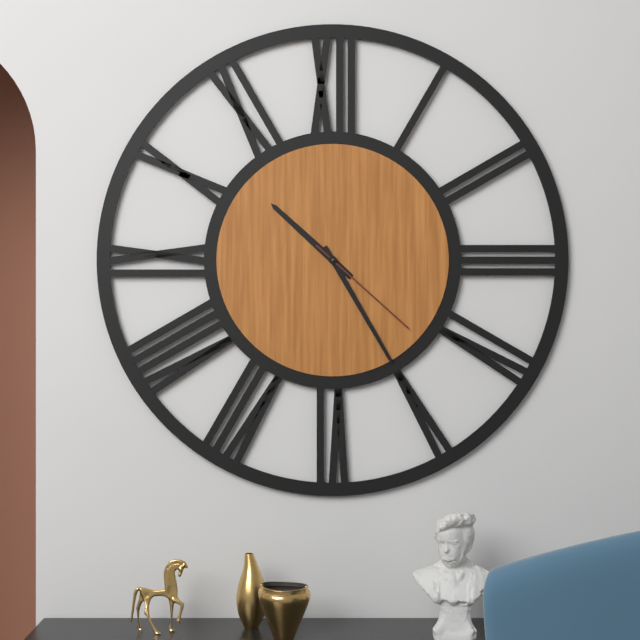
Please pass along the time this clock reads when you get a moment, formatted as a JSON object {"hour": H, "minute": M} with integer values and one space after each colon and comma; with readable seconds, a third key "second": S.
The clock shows {"hour": 10, "minute": 25, "second": 22}
